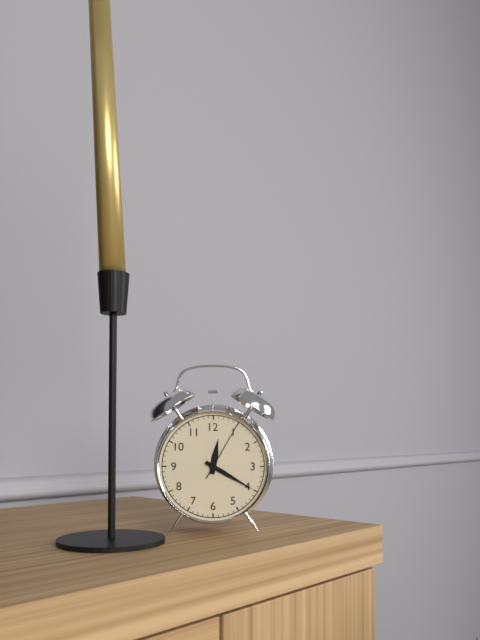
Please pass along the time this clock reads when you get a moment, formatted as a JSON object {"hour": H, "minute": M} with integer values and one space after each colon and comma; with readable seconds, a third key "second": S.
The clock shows {"hour": 12, "minute": 20, "second": 5}
